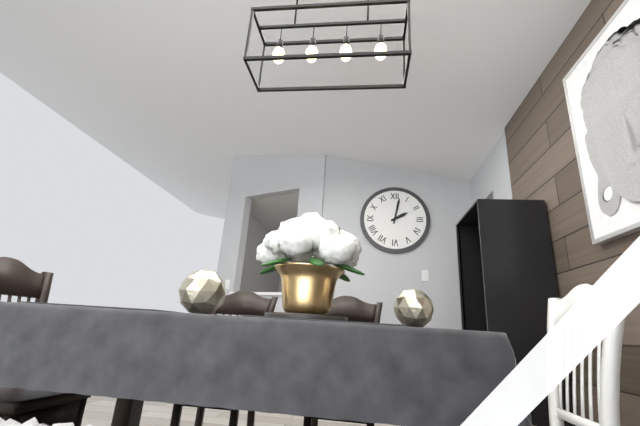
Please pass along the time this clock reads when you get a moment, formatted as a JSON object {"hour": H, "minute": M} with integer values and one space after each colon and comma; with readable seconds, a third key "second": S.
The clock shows {"hour": 2, "minute": 2}
